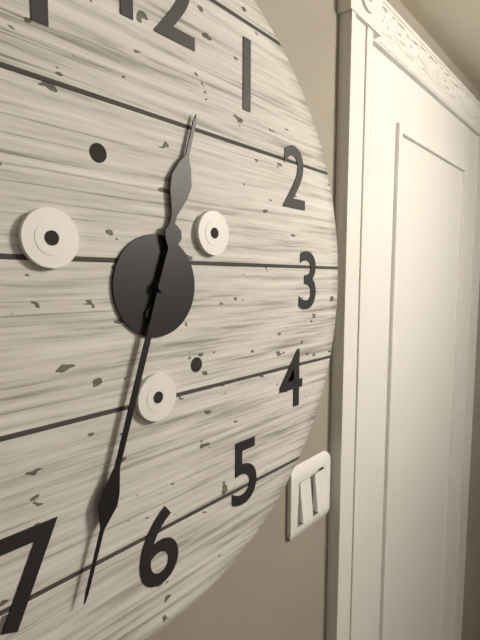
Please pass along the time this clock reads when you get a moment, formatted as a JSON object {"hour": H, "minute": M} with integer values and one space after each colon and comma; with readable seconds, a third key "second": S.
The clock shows {"hour": 12, "minute": 33}
